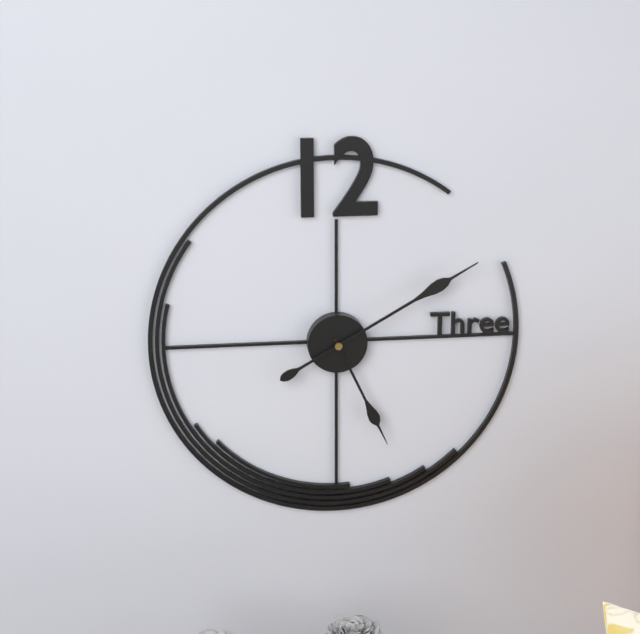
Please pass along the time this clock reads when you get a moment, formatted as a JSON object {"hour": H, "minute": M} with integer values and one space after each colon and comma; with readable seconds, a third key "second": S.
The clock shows {"hour": 5, "minute": 10}
